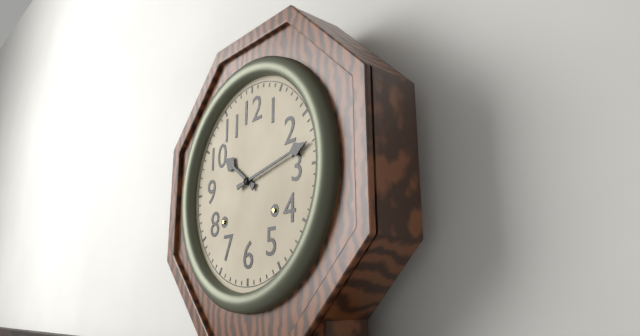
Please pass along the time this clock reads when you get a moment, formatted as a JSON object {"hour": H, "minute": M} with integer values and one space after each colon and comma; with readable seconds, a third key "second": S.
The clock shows {"hour": 10, "minute": 13}
